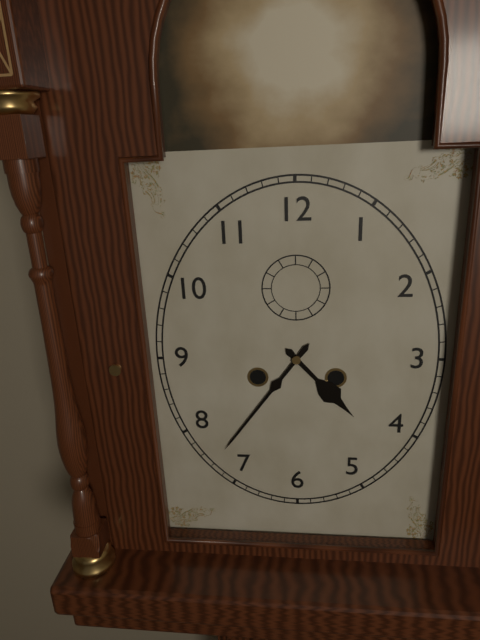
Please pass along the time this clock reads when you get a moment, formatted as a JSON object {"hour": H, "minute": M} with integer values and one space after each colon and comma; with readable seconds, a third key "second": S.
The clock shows {"hour": 4, "minute": 36}
